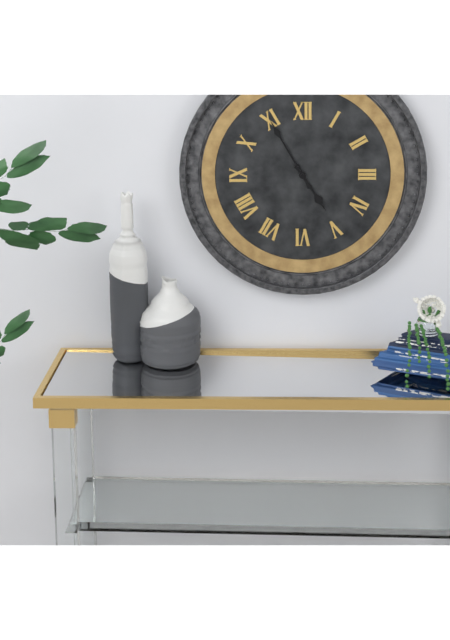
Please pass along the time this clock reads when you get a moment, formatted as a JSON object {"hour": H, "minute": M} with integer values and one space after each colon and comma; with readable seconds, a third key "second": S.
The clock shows {"hour": 4, "minute": 55}
